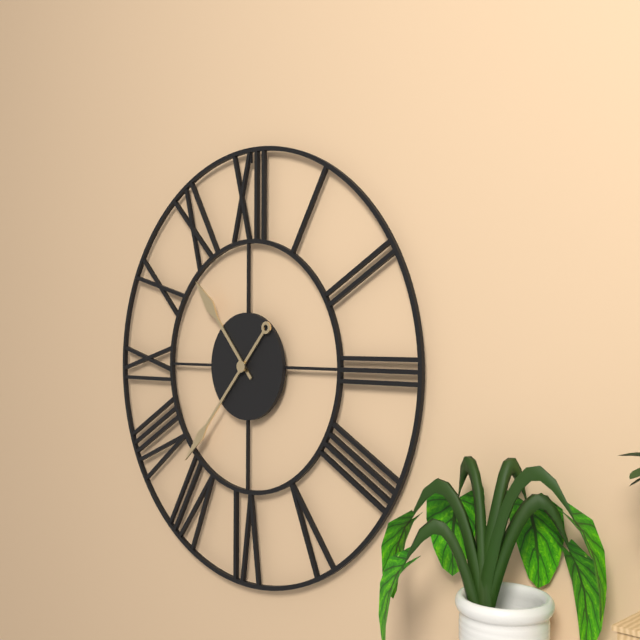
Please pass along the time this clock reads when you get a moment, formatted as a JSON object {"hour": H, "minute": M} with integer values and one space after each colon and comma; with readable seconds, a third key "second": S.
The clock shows {"hour": 10, "minute": 37}
